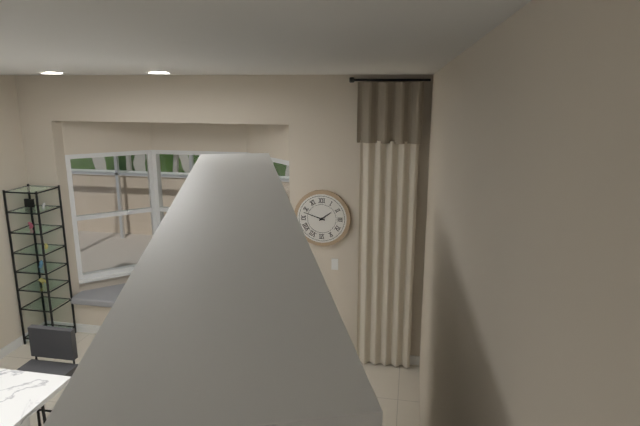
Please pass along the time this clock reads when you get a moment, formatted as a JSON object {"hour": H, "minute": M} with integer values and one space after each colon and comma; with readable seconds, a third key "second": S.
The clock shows {"hour": 1, "minute": 48}
